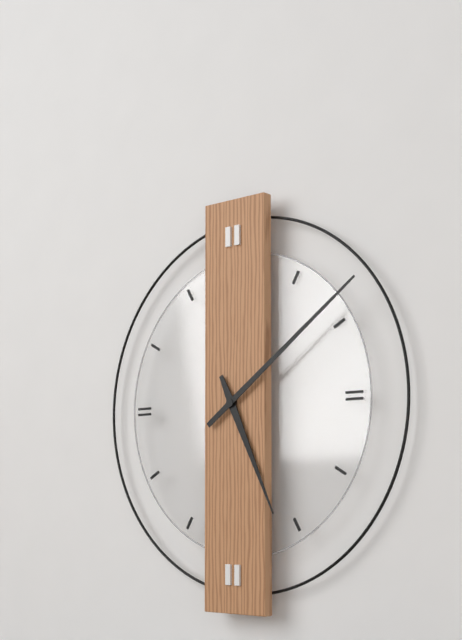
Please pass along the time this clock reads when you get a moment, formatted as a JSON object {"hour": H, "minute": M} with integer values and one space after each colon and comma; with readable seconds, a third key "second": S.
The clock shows {"hour": 5, "minute": 9}
